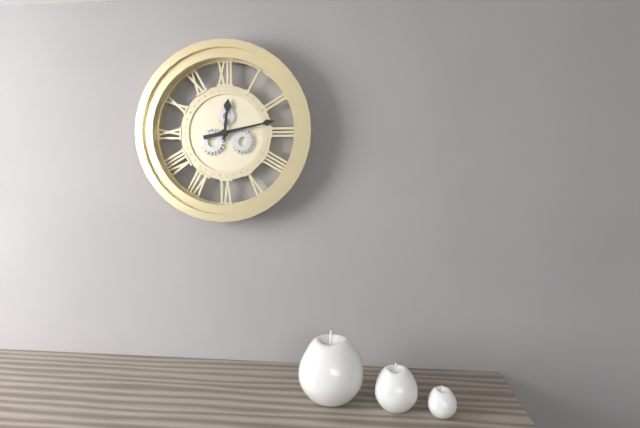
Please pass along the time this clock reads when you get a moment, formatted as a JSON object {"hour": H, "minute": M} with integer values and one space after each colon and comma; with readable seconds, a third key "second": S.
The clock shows {"hour": 12, "minute": 13}
